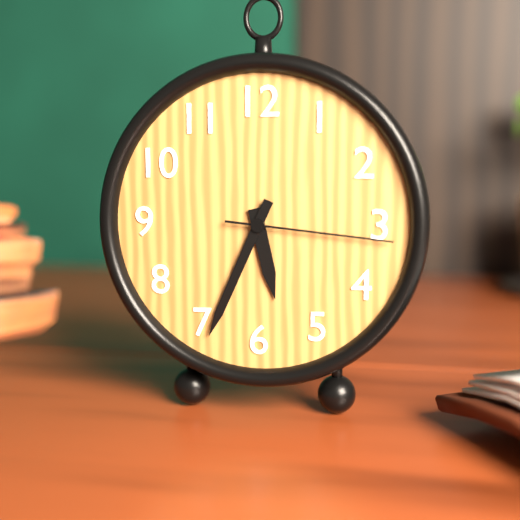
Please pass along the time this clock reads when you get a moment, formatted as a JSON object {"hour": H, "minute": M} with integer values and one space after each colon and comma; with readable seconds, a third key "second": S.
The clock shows {"hour": 5, "minute": 34, "second": 16}
